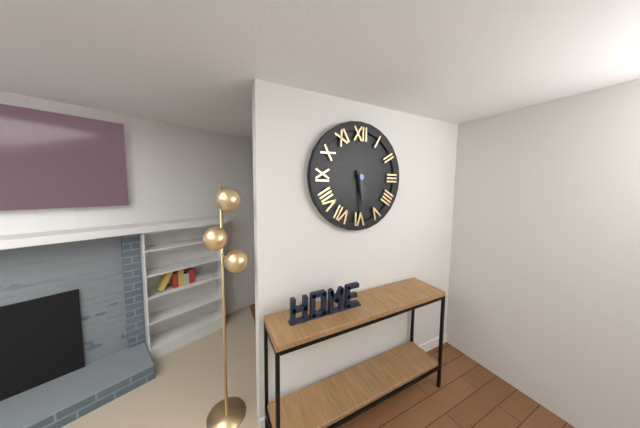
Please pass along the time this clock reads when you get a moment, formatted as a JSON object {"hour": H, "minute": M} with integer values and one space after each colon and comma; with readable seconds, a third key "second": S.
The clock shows {"hour": 5, "minute": 29}
